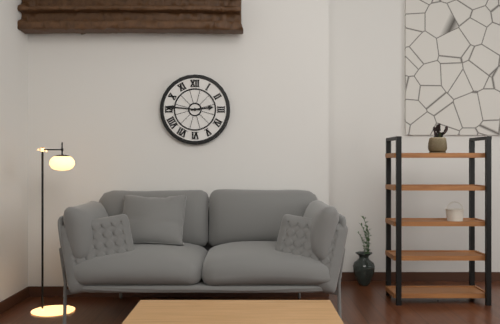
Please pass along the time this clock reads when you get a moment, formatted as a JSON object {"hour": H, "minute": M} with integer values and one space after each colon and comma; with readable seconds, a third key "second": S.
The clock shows {"hour": 2, "minute": 46}
